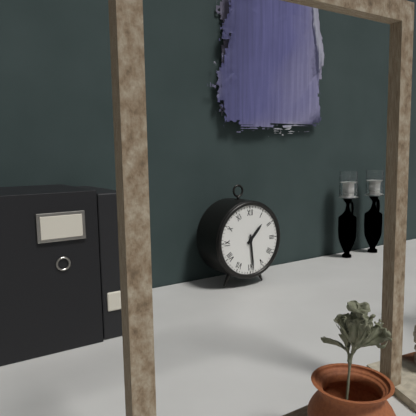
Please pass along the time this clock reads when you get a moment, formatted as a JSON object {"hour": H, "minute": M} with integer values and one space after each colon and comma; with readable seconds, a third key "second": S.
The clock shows {"hour": 1, "minute": 29}
